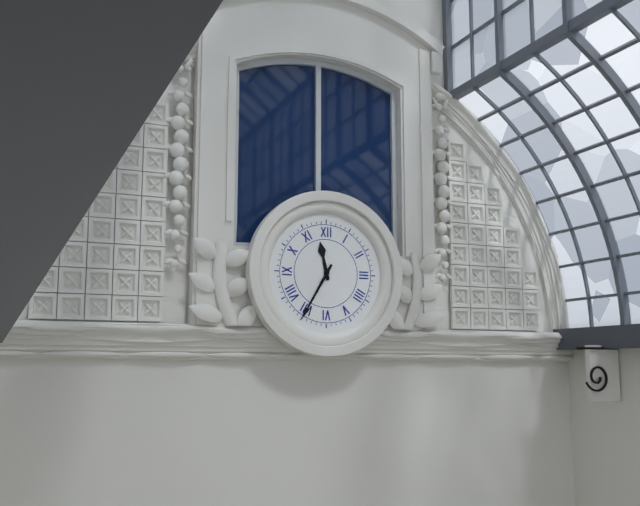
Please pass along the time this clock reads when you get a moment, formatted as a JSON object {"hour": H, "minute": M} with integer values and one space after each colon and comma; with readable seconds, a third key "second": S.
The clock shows {"hour": 11, "minute": 35}
